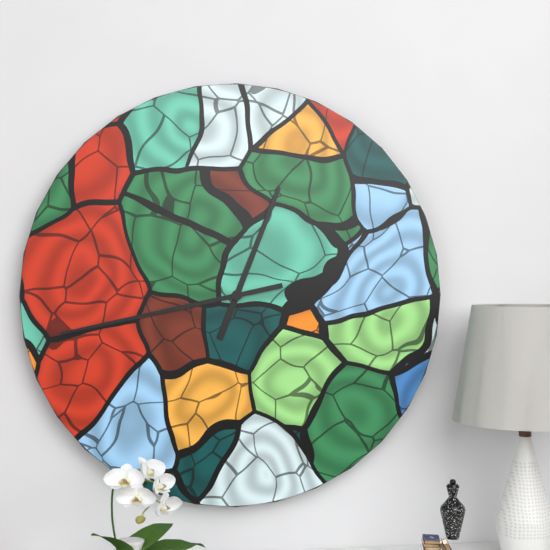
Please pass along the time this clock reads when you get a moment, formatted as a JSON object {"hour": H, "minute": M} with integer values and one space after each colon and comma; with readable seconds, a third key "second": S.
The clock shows {"hour": 12, "minute": 43}
